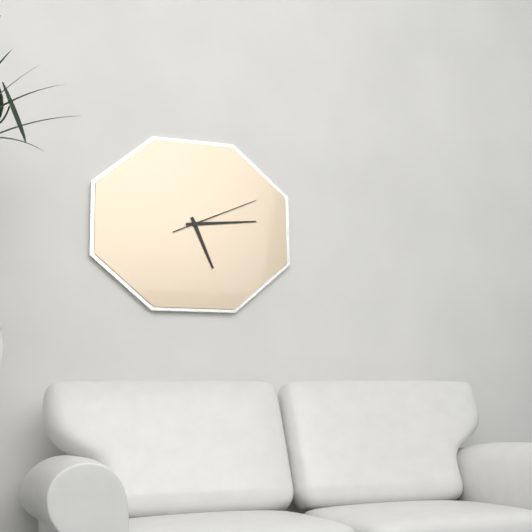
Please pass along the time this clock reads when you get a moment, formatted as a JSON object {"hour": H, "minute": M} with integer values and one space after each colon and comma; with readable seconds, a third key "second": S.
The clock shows {"hour": 5, "minute": 14, "second": 11}
